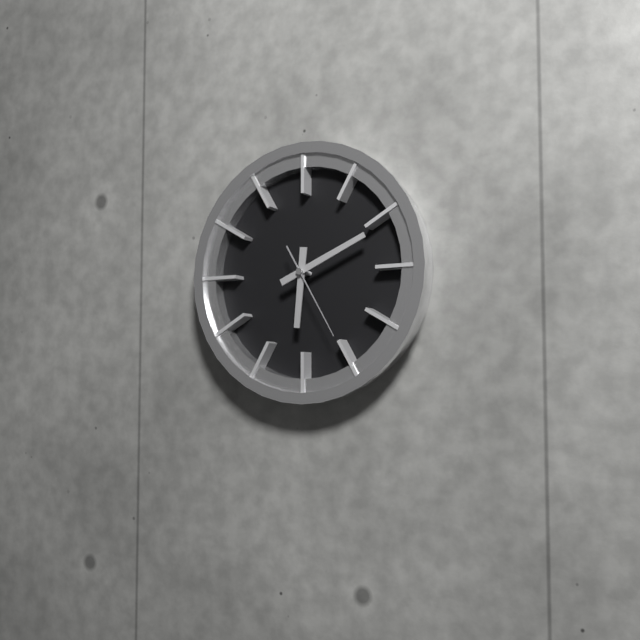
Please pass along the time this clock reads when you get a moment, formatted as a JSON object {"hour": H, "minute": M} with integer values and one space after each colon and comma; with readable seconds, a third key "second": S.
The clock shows {"hour": 6, "minute": 11, "second": 25}
